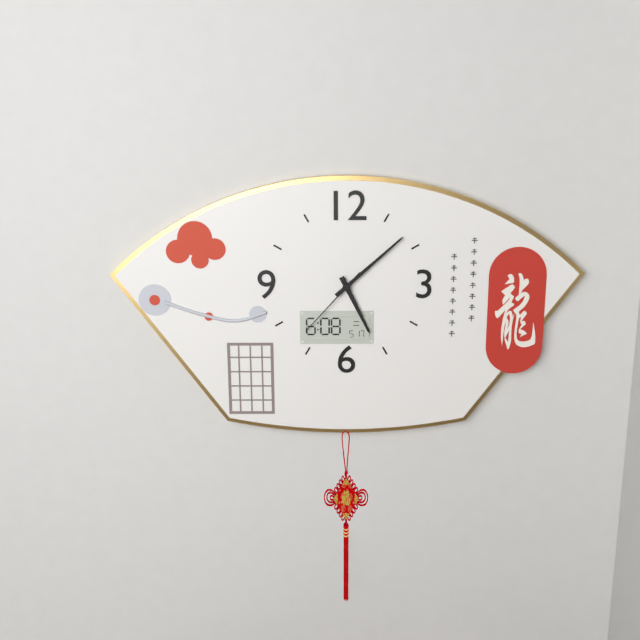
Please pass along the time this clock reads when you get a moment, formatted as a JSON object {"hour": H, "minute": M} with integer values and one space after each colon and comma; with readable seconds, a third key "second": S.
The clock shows {"hour": 5, "minute": 8, "second": 37}
